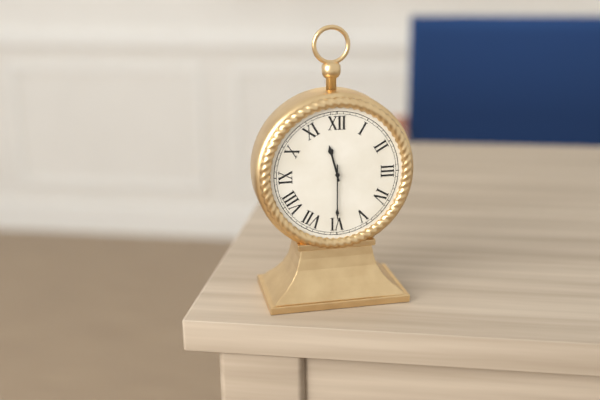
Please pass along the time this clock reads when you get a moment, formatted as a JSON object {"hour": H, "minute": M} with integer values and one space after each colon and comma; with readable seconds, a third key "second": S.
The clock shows {"hour": 11, "minute": 30}
